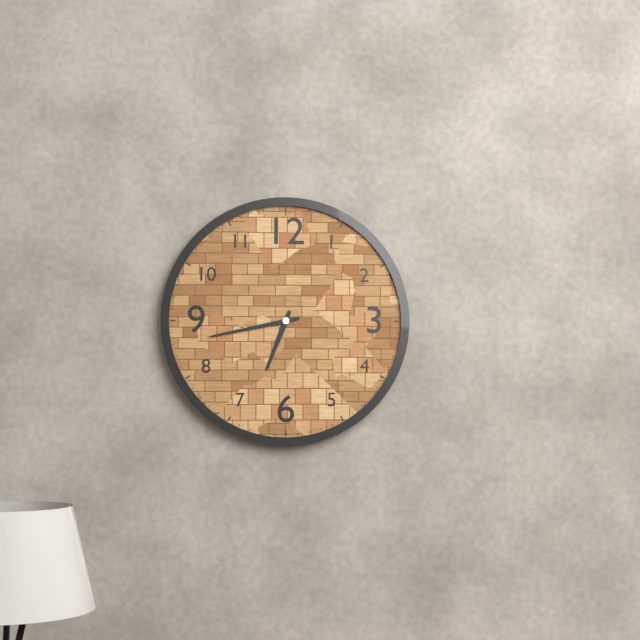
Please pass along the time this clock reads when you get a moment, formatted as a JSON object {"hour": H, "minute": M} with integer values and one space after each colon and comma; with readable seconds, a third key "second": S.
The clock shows {"hour": 6, "minute": 43}
